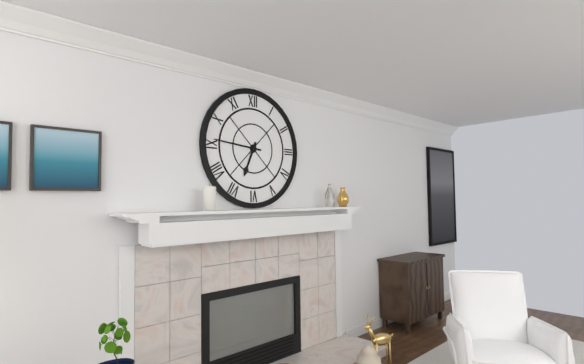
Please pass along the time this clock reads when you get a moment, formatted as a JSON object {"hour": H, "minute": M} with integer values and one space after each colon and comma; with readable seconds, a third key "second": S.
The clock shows {"hour": 6, "minute": 46}
